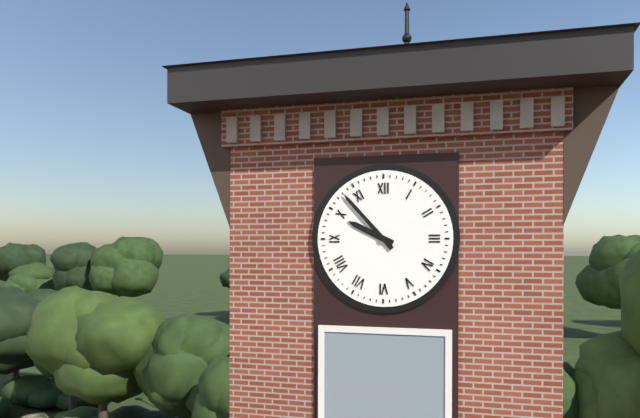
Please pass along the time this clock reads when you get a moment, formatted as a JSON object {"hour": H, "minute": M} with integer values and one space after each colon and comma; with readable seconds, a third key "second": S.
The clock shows {"hour": 9, "minute": 53}
